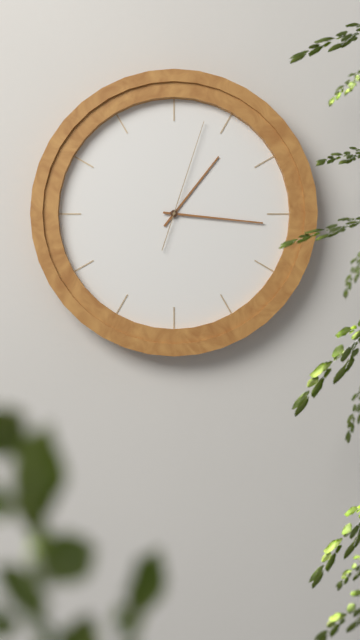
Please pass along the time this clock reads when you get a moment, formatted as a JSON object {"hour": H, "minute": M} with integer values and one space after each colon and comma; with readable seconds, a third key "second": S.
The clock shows {"hour": 1, "minute": 16, "second": 3}
